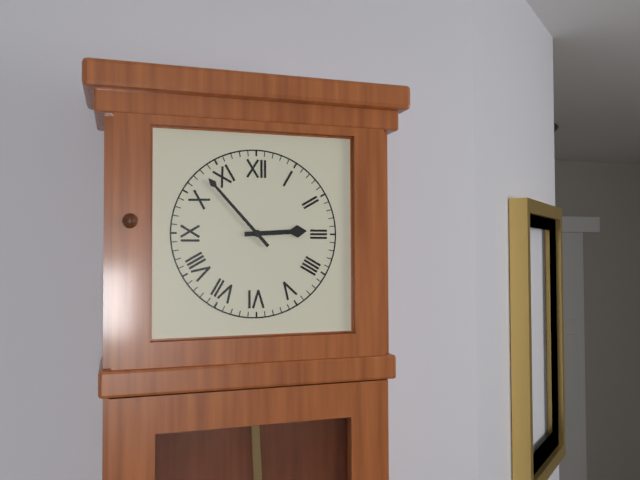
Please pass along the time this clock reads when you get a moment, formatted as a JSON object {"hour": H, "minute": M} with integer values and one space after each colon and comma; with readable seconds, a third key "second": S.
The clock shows {"hour": 2, "minute": 53}
